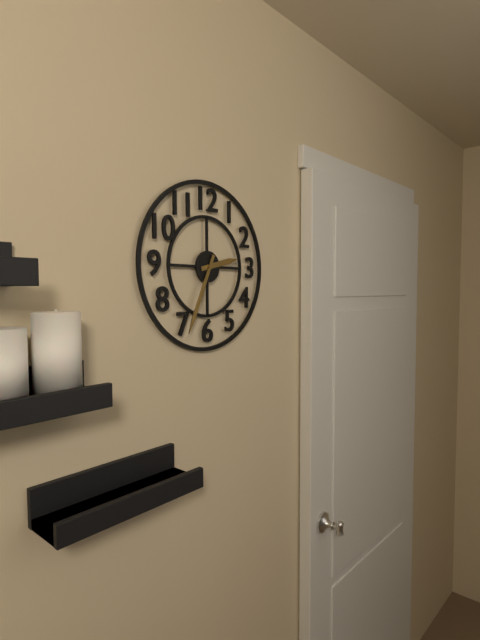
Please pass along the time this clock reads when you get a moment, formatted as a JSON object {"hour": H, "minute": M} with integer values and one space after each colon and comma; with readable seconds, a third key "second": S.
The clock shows {"hour": 2, "minute": 34}
